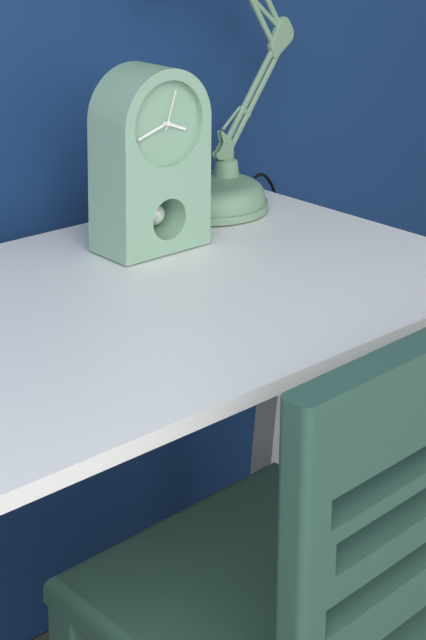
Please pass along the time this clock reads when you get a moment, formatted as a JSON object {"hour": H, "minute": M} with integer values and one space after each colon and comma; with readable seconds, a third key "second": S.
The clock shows {"hour": 3, "minute": 42}
